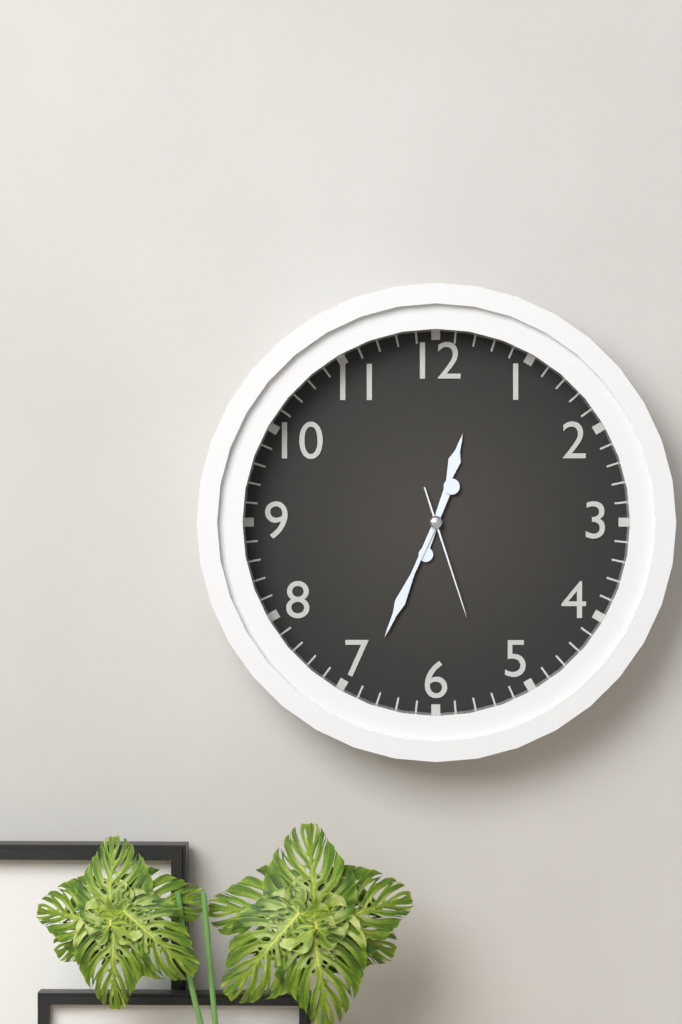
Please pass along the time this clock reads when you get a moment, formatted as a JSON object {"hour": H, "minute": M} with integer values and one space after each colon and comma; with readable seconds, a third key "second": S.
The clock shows {"hour": 12, "minute": 34, "second": 27}
